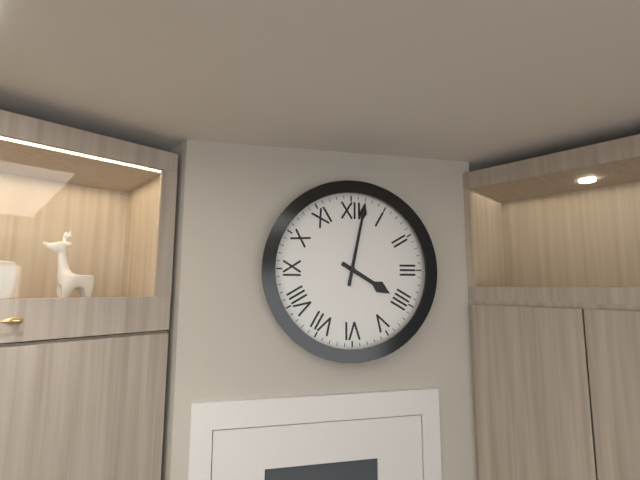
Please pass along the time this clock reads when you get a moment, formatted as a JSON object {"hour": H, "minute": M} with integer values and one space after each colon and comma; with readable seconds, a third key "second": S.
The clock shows {"hour": 4, "minute": 2}
